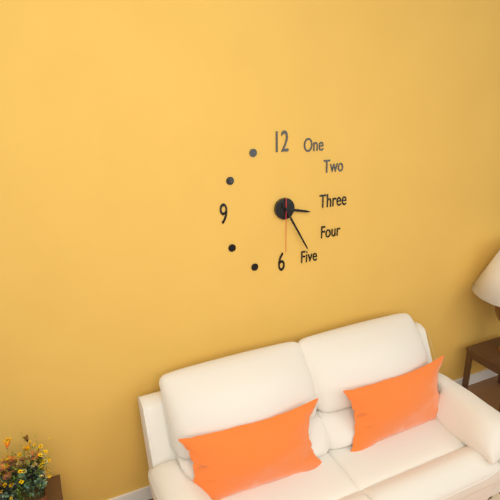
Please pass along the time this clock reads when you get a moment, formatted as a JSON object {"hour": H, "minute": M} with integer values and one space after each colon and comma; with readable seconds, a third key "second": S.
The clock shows {"hour": 3, "minute": 25, "second": 30}
